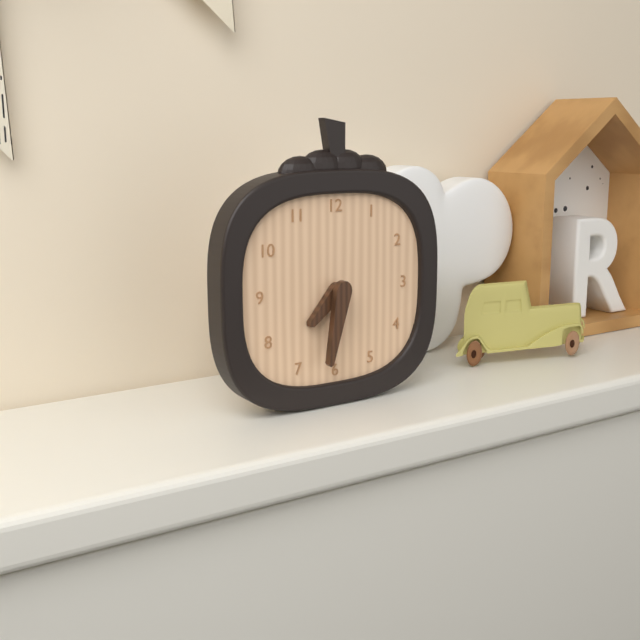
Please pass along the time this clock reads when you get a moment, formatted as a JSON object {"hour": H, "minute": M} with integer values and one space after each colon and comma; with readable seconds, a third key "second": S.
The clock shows {"hour": 7, "minute": 32}
